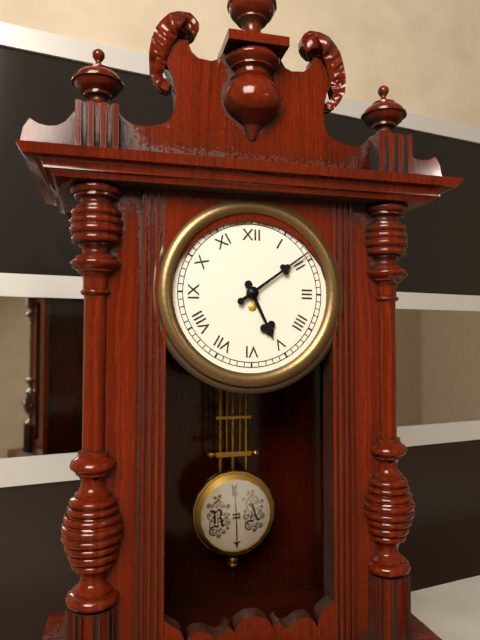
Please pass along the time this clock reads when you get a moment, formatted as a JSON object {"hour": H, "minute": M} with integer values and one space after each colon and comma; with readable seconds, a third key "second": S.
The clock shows {"hour": 5, "minute": 9}
